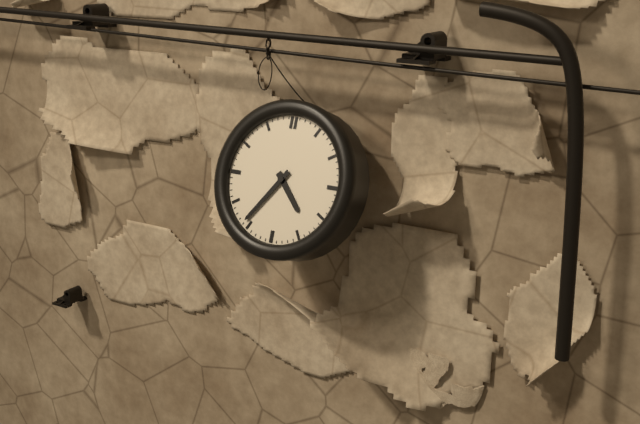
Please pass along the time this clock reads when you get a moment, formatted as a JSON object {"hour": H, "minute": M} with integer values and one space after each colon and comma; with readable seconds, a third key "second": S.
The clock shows {"hour": 4, "minute": 36}
